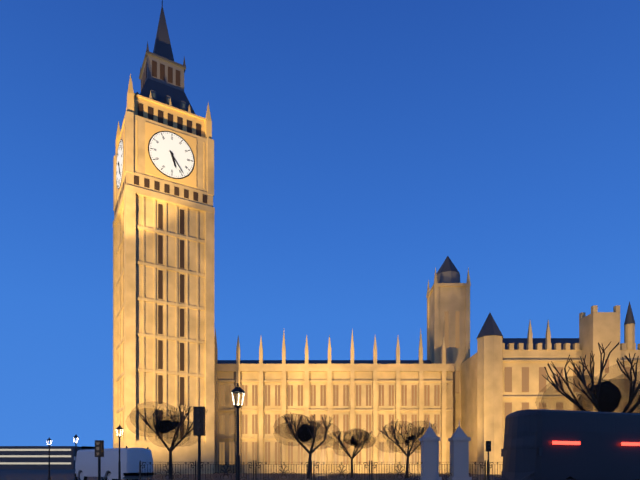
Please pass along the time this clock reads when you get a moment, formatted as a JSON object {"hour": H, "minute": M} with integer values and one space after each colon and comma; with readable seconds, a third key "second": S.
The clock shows {"hour": 5, "minute": 24}
